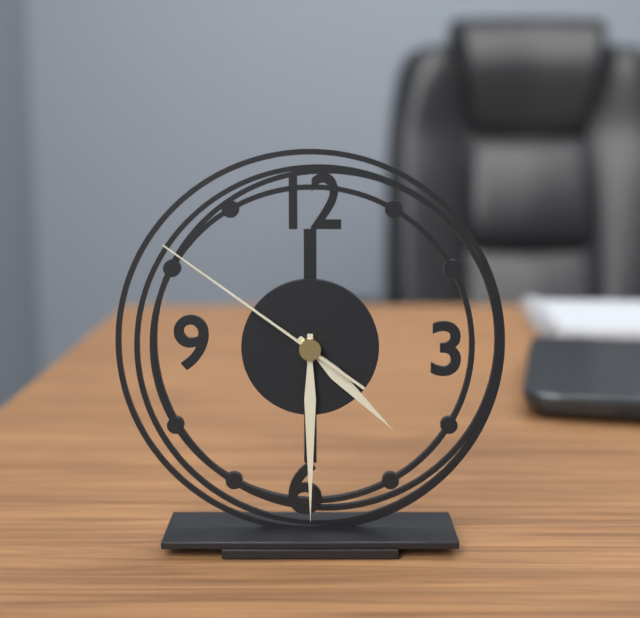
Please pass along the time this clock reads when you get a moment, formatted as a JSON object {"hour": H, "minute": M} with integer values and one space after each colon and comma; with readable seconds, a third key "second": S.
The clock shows {"hour": 4, "minute": 30, "second": 51}
